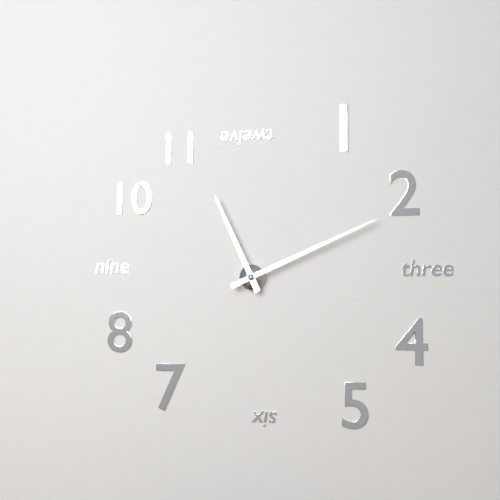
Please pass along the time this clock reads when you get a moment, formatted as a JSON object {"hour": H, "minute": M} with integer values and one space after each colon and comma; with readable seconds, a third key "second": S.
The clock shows {"hour": 11, "minute": 11}
